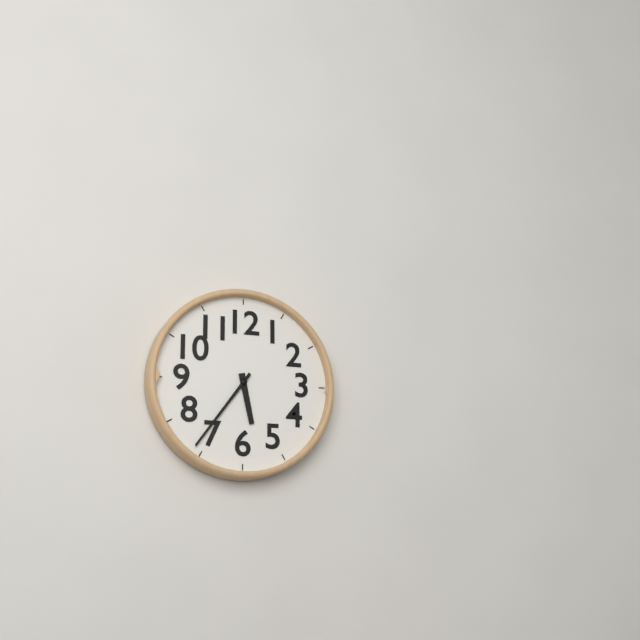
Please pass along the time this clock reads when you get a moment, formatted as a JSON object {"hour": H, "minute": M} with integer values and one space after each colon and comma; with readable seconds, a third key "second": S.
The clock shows {"hour": 5, "minute": 36}
